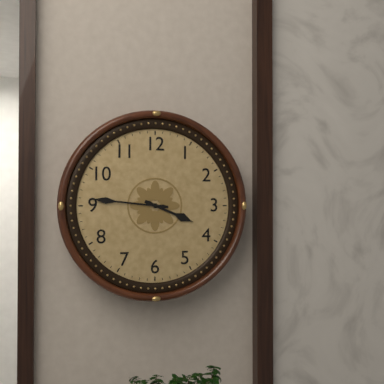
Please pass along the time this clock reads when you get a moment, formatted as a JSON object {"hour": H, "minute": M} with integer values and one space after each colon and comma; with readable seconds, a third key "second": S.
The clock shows {"hour": 3, "minute": 46}
